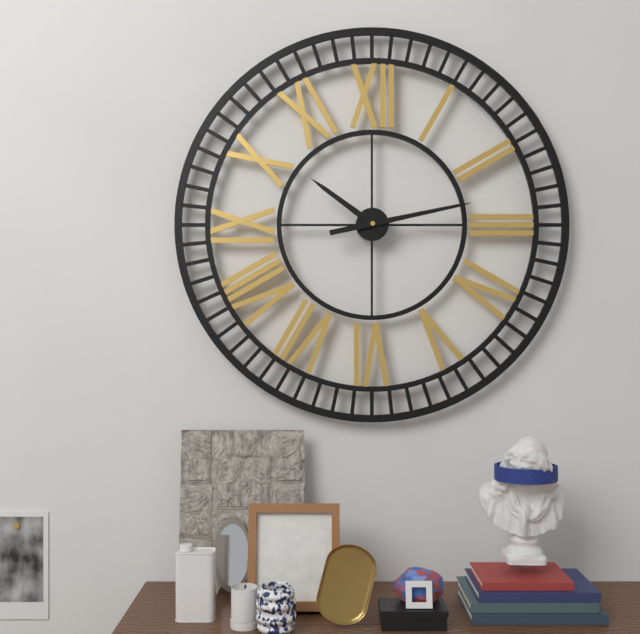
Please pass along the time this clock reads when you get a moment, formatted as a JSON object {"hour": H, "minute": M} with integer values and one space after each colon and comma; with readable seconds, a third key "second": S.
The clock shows {"hour": 10, "minute": 13}
